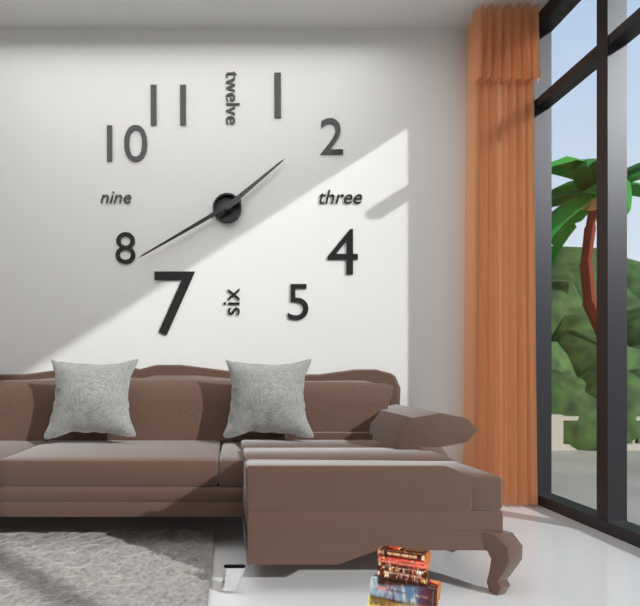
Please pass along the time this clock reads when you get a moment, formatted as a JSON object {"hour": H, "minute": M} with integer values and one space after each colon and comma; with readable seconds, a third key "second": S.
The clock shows {"hour": 1, "minute": 40}
